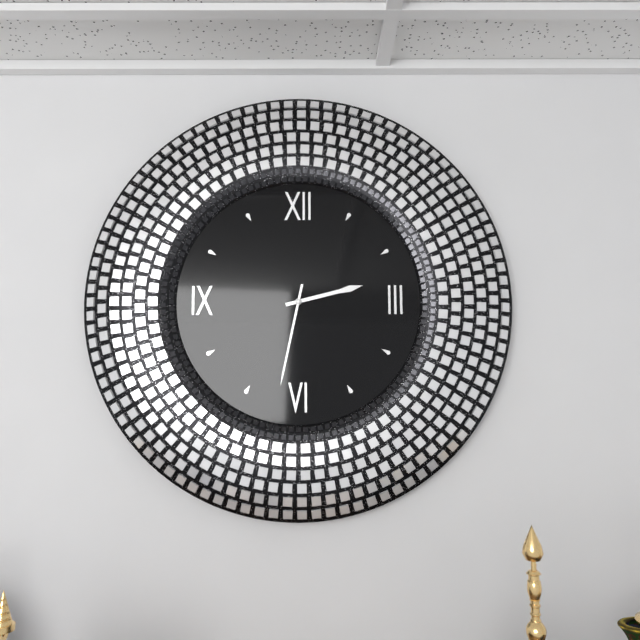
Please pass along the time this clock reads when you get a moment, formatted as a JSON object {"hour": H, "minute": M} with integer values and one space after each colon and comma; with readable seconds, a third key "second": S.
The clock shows {"hour": 2, "minute": 32}
